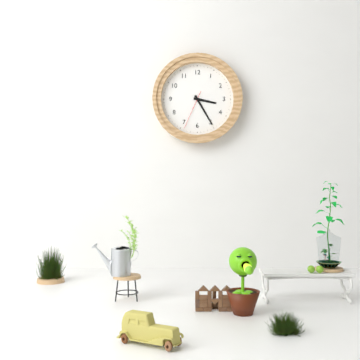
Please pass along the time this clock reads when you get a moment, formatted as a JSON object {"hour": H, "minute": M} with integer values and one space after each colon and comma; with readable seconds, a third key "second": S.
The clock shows {"hour": 3, "minute": 25}
